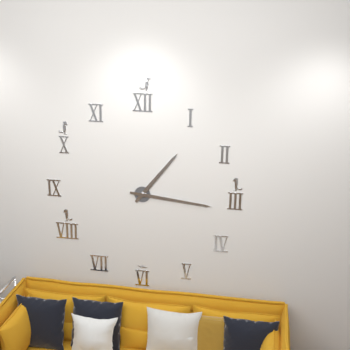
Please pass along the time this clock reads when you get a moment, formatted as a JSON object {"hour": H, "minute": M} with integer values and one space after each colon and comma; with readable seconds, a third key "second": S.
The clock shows {"hour": 1, "minute": 16}
